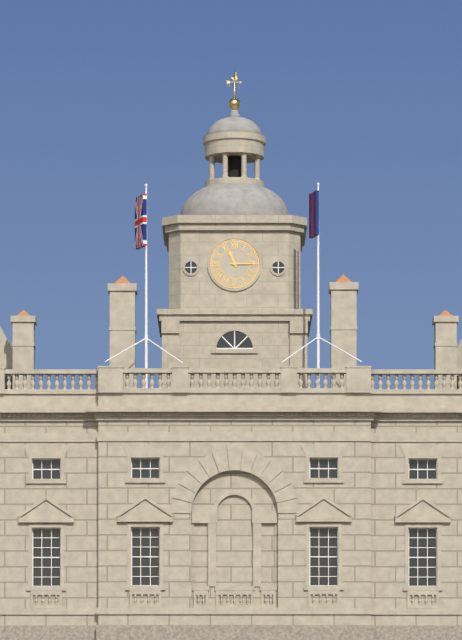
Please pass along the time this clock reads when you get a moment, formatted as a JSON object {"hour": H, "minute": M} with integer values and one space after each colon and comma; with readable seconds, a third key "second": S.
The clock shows {"hour": 11, "minute": 15}
